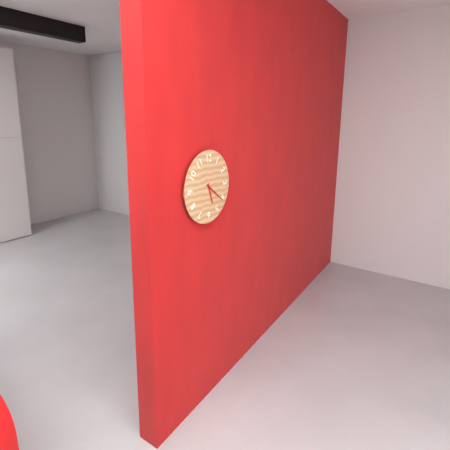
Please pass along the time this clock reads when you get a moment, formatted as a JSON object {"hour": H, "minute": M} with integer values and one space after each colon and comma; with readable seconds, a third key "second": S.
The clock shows {"hour": 5, "minute": 21}
